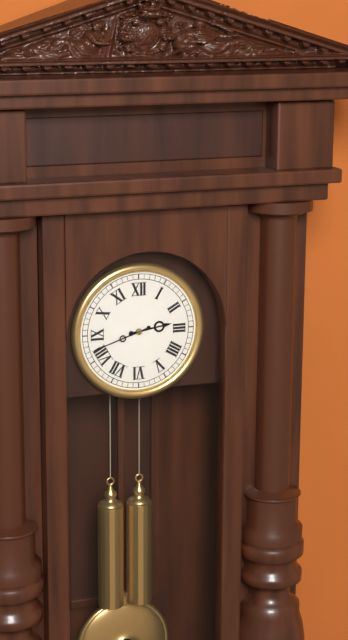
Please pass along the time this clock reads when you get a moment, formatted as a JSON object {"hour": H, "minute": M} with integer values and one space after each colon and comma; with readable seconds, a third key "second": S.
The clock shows {"hour": 2, "minute": 42}
